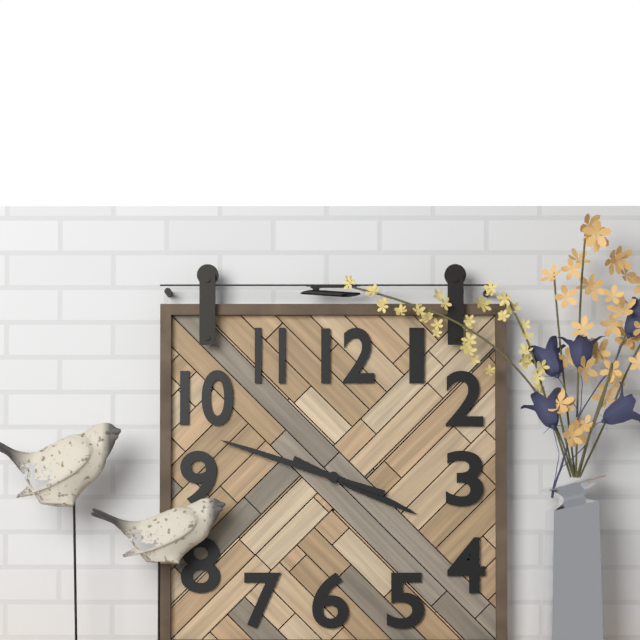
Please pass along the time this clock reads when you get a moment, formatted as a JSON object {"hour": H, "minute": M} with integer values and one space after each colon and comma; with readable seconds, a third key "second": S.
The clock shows {"hour": 3, "minute": 48}
